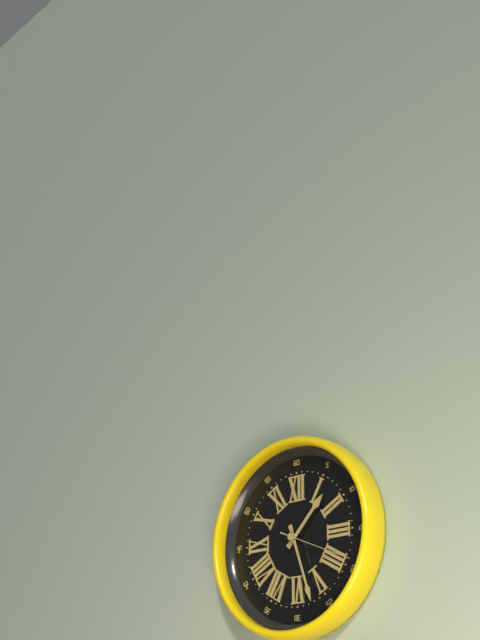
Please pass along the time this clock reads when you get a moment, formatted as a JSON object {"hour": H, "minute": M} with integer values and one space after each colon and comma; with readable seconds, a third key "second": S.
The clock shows {"hour": 1, "minute": 27, "second": 19}
